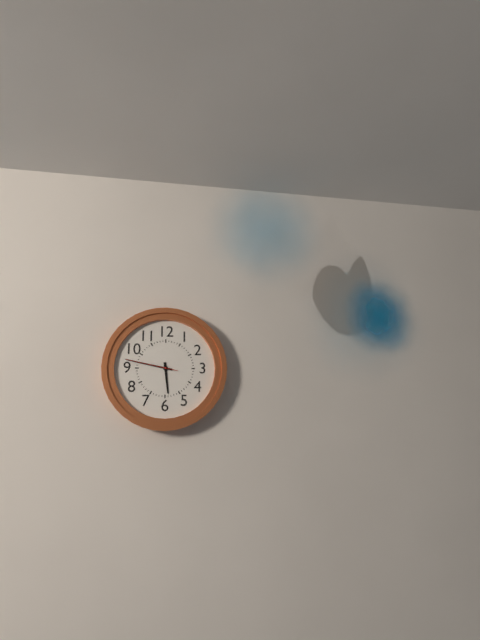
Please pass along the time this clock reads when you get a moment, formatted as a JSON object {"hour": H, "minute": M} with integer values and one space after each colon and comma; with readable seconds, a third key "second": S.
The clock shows {"hour": 5, "minute": 47, "second": 47}
